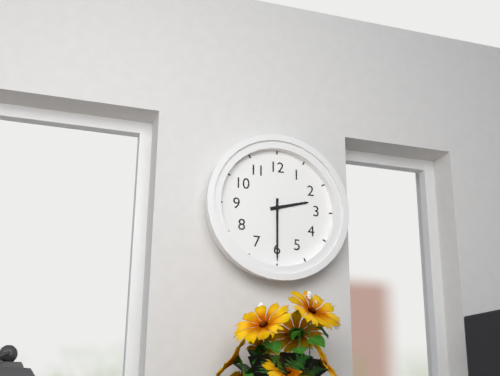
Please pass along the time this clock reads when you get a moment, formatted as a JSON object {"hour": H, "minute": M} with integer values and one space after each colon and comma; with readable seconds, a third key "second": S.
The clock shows {"hour": 2, "minute": 30}
